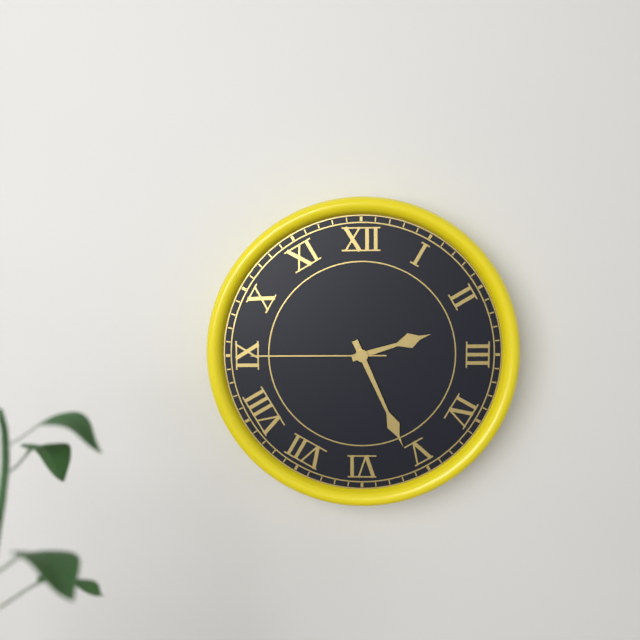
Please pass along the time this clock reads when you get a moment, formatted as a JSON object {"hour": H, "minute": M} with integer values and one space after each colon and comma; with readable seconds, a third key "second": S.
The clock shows {"hour": 2, "minute": 26, "second": 45}
